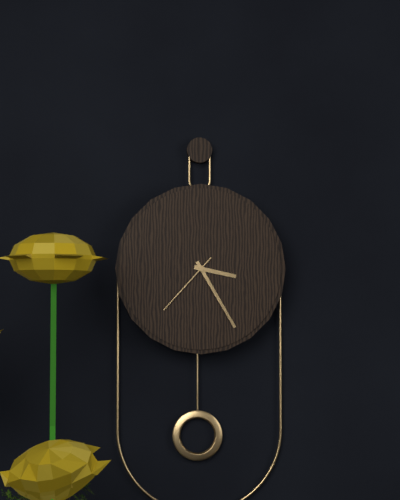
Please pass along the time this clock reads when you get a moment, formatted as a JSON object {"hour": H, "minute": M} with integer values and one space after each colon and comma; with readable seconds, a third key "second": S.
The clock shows {"hour": 3, "minute": 25, "second": 37}
